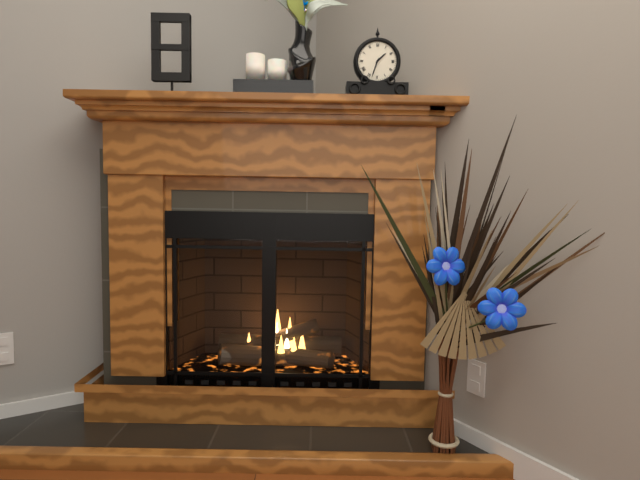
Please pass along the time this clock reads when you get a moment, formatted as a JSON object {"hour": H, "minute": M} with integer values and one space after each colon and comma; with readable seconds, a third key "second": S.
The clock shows {"hour": 1, "minute": 33}
